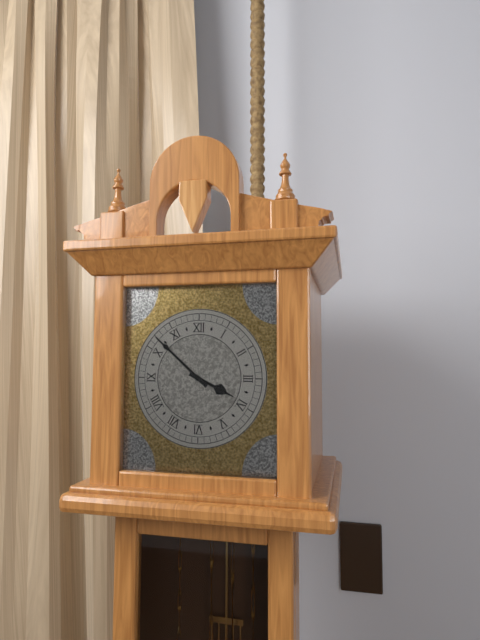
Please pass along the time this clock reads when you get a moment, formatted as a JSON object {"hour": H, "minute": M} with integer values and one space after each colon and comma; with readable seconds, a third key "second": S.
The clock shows {"hour": 3, "minute": 52}
